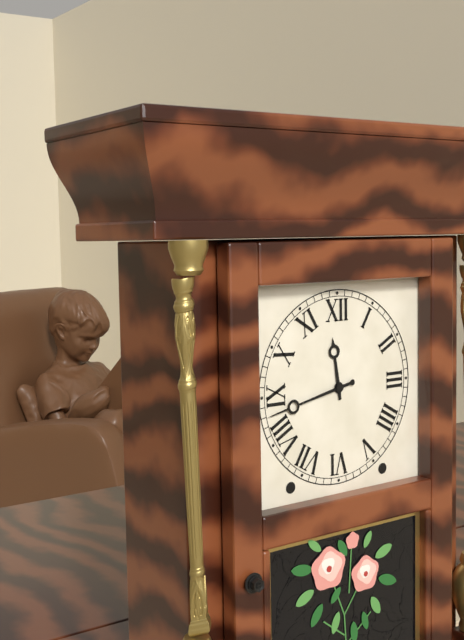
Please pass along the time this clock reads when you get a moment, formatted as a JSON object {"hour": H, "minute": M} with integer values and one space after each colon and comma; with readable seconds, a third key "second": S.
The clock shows {"hour": 11, "minute": 43}
